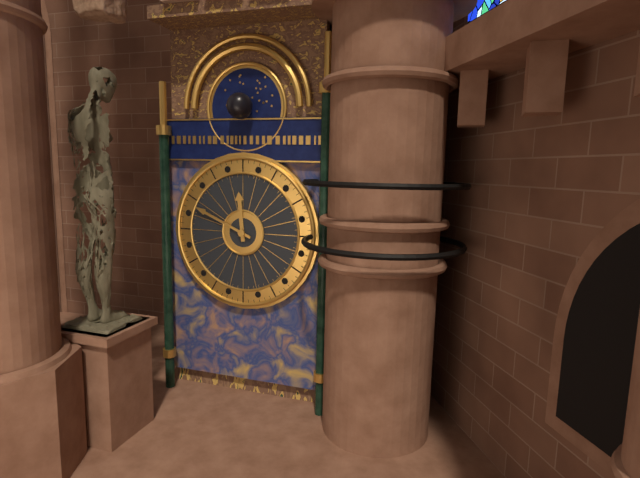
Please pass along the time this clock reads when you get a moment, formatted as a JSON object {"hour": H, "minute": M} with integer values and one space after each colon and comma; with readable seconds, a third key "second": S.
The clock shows {"hour": 11, "minute": 49}
